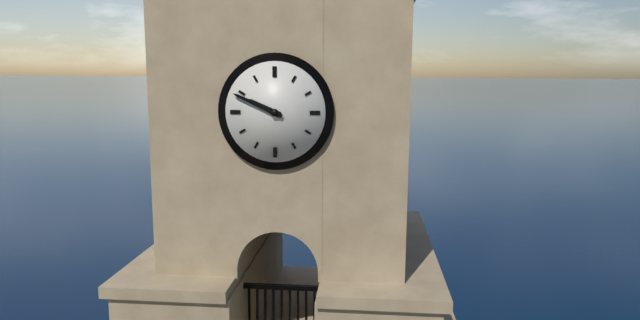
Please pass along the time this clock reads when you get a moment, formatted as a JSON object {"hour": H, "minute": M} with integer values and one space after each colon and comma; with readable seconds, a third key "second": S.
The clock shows {"hour": 9, "minute": 49}
